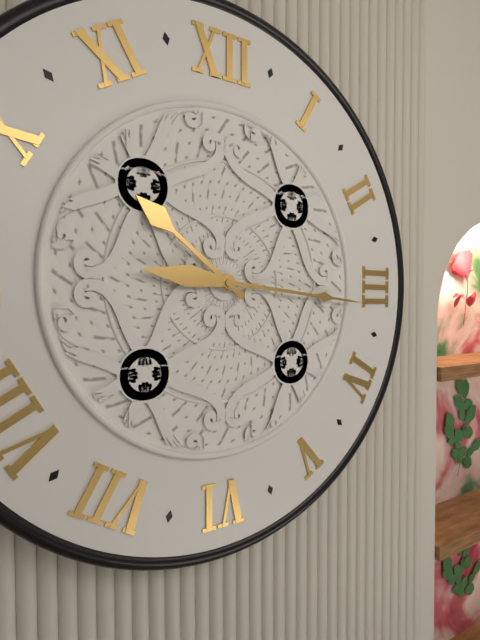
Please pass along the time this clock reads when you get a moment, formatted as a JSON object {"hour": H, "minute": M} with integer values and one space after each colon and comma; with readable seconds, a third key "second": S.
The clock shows {"hour": 10, "minute": 16}
